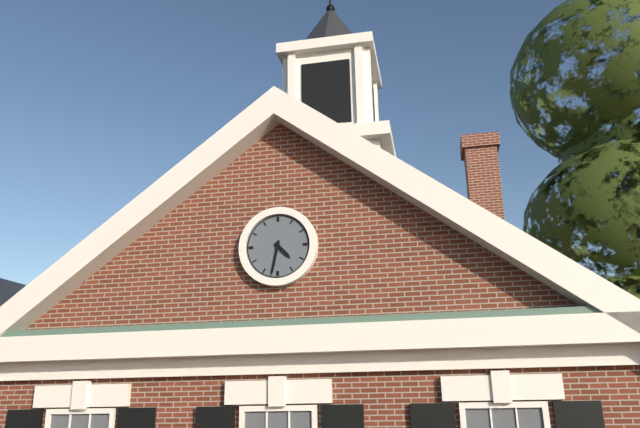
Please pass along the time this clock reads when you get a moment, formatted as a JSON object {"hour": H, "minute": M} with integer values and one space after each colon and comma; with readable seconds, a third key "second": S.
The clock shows {"hour": 4, "minute": 32}
